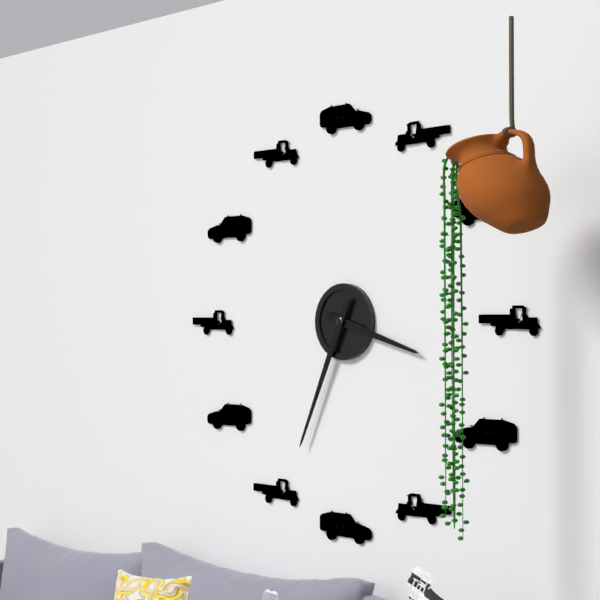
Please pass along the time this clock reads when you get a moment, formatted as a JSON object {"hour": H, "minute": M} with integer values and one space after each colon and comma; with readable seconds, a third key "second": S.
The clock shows {"hour": 3, "minute": 34}
